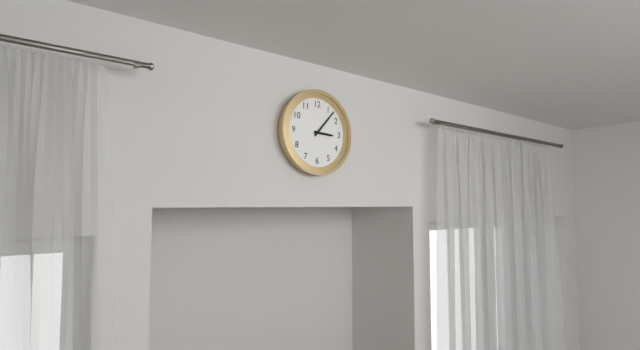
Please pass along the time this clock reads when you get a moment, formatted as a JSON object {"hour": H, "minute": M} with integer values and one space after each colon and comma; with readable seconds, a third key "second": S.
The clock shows {"hour": 3, "minute": 7}
